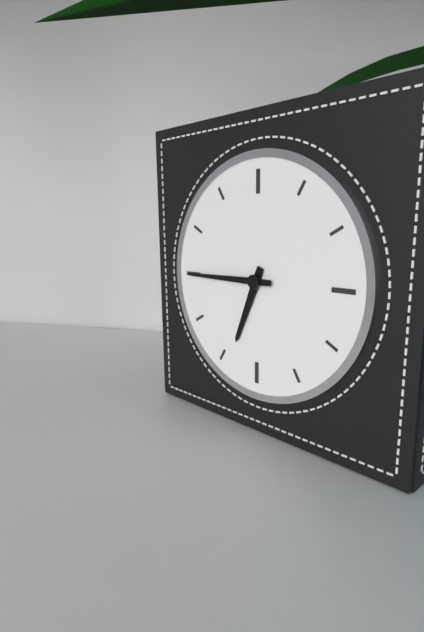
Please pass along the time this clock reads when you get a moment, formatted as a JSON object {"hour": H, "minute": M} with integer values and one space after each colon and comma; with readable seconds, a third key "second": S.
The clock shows {"hour": 6, "minute": 45}
